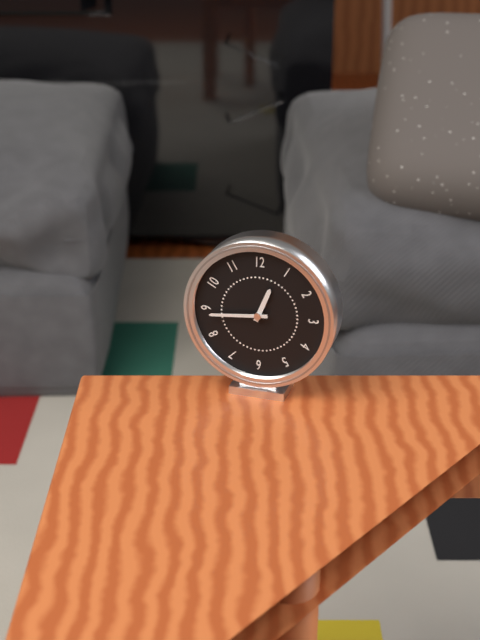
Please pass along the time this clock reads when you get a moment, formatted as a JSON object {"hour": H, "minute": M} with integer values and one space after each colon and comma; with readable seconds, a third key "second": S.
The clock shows {"hour": 12, "minute": 44}
